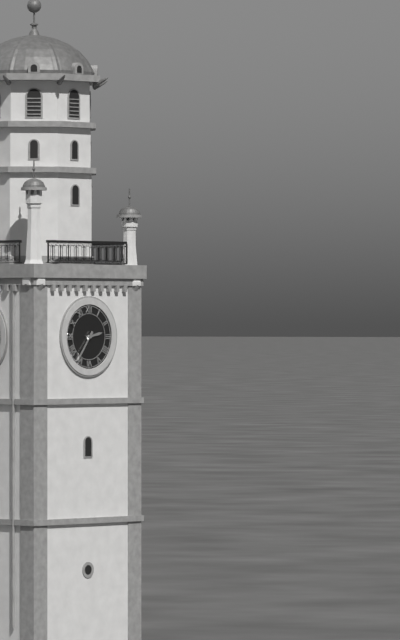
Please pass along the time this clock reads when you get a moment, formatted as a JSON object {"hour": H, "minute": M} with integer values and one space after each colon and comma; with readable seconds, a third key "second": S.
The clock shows {"hour": 2, "minute": 36}
